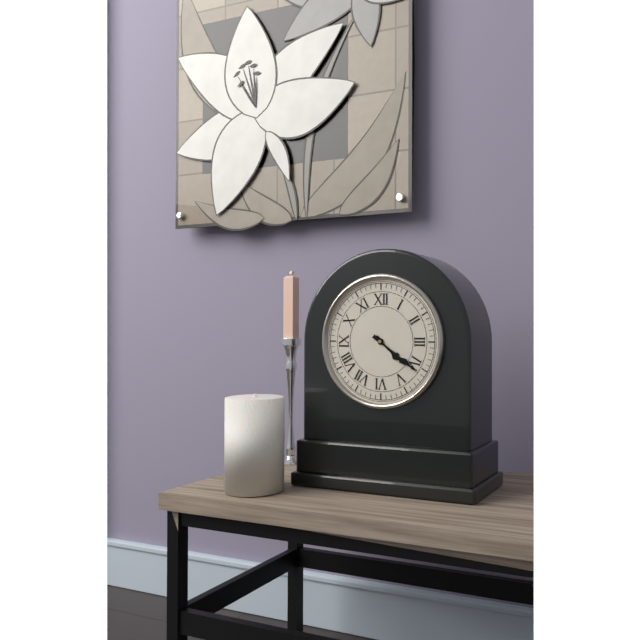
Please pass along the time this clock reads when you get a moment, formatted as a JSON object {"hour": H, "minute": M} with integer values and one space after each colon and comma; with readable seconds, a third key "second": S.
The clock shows {"hour": 4, "minute": 21}
